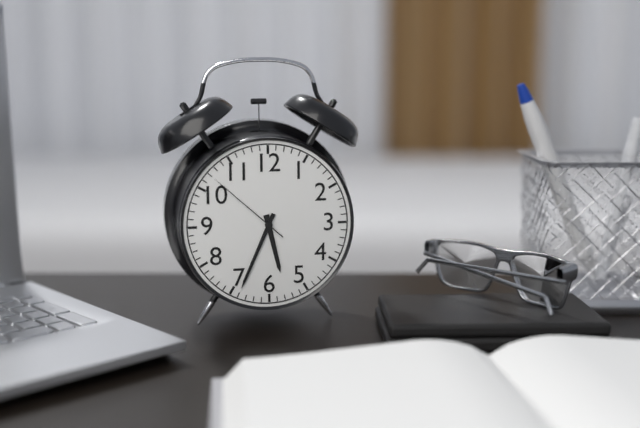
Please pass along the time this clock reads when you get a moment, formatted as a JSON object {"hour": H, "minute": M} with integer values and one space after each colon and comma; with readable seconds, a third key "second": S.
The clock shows {"hour": 5, "minute": 34, "second": 52}
